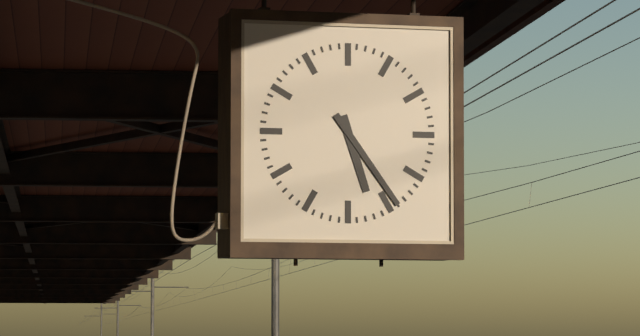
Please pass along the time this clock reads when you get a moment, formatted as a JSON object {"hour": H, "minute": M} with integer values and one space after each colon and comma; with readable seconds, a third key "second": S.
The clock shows {"hour": 5, "minute": 24}
